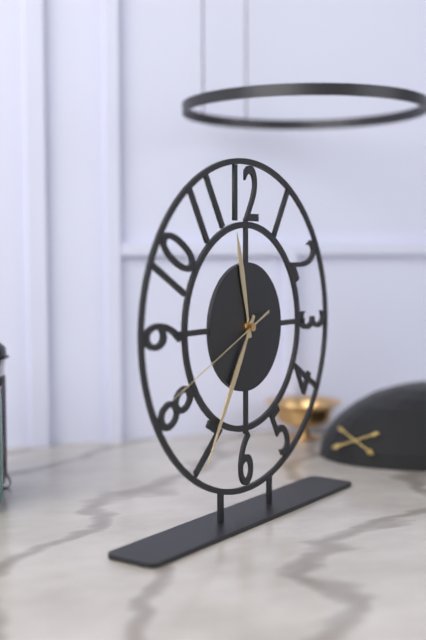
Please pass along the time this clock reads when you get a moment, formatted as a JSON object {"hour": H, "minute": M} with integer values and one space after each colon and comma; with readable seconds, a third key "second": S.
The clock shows {"hour": 11, "minute": 35, "second": 41}
